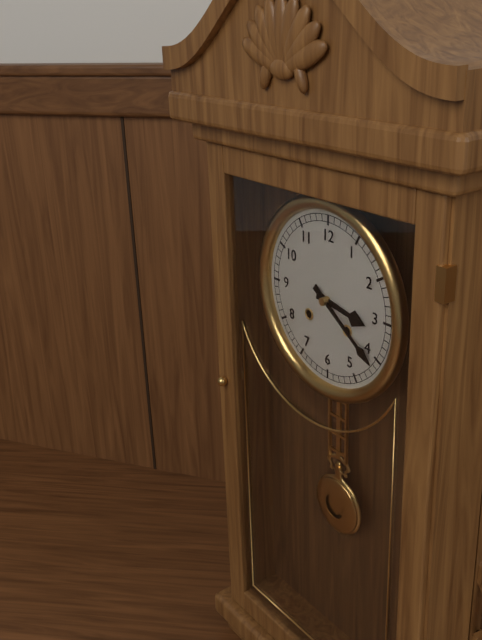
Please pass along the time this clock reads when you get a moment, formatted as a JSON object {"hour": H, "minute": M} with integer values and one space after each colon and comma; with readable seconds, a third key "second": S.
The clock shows {"hour": 3, "minute": 21}
